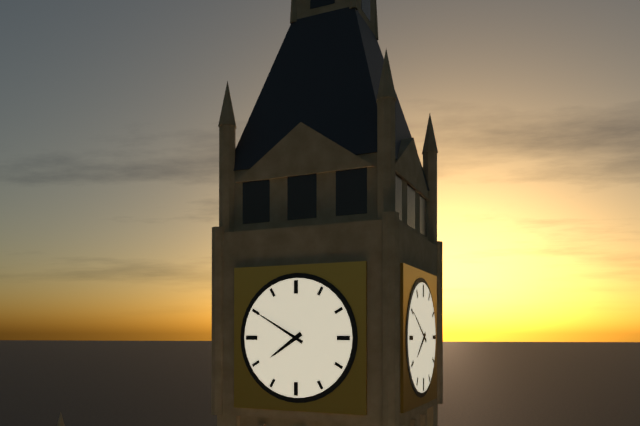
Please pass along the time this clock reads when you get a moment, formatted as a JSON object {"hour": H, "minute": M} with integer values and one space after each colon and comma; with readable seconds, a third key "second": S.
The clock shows {"hour": 7, "minute": 50}
